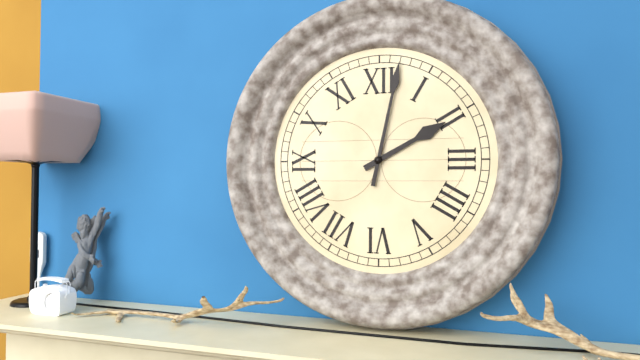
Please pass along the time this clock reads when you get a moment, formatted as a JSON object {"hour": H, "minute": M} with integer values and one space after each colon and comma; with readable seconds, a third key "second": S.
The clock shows {"hour": 2, "minute": 2}
